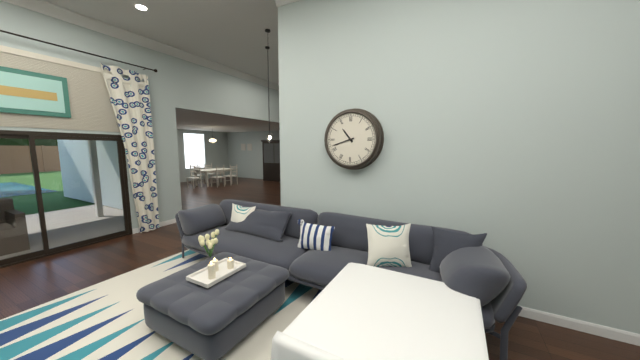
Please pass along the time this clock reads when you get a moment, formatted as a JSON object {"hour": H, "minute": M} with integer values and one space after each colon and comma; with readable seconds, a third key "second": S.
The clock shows {"hour": 10, "minute": 42}
